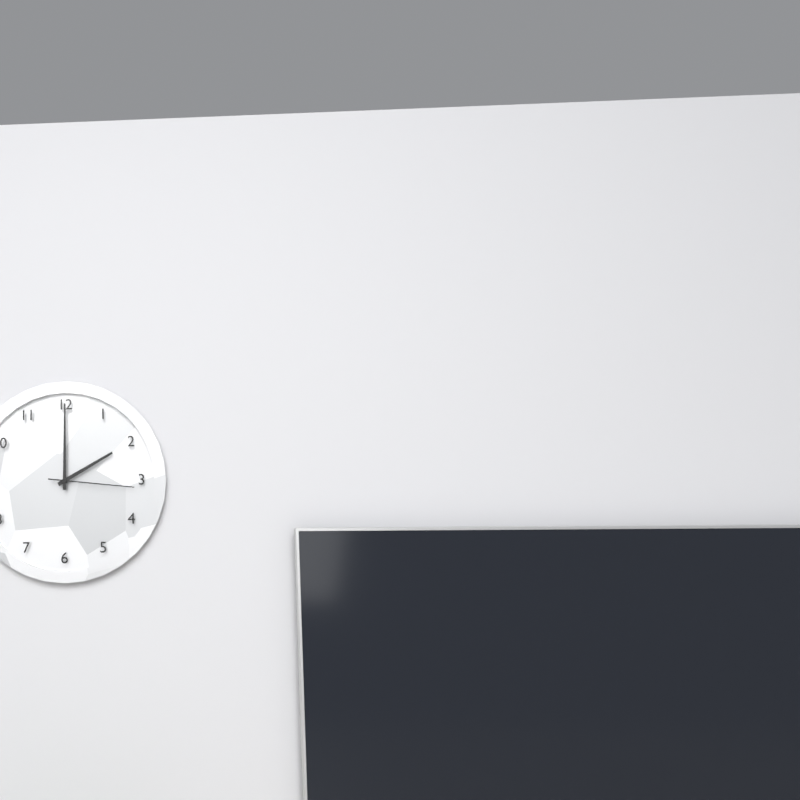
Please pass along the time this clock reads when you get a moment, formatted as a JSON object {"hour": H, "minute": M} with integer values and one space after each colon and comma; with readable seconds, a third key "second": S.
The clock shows {"hour": 2, "minute": 0, "second": 16}
